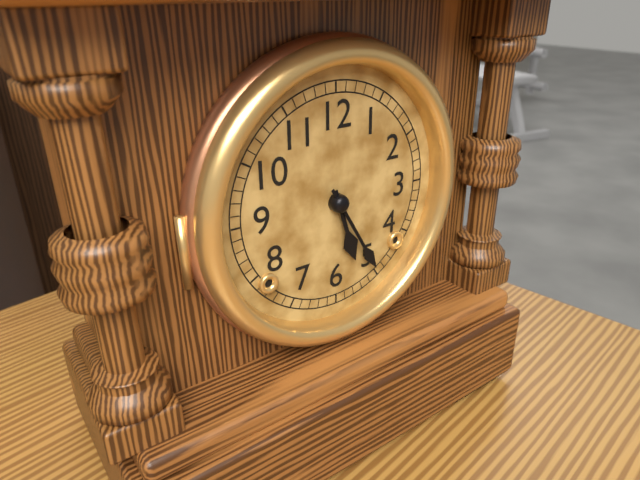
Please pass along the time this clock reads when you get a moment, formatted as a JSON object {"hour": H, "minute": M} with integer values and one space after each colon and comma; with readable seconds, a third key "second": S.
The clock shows {"hour": 5, "minute": 25}
